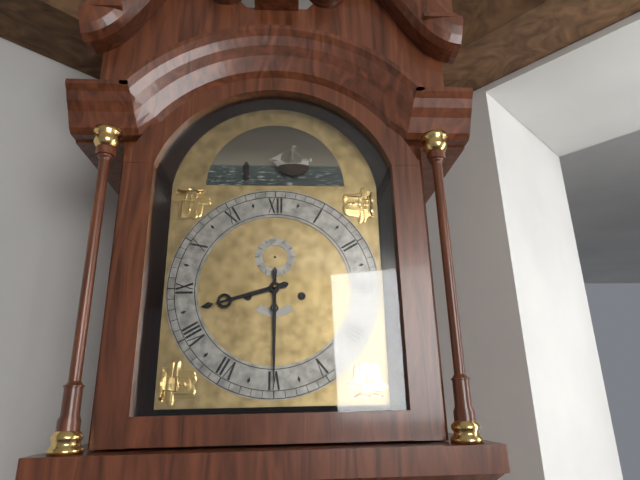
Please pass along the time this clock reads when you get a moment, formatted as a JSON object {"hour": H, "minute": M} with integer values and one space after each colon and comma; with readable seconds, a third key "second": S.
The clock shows {"hour": 8, "minute": 30}
